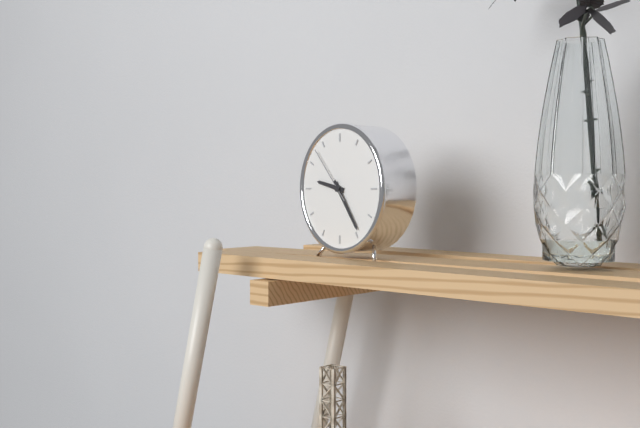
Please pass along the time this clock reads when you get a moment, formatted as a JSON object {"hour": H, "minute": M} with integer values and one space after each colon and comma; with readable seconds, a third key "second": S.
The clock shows {"hour": 9, "minute": 24, "second": 53}
